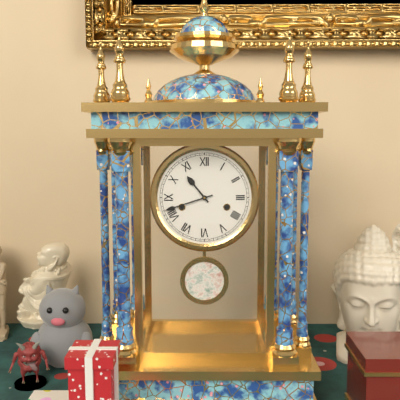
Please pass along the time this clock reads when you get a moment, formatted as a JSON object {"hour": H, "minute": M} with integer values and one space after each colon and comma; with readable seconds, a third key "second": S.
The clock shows {"hour": 10, "minute": 42}
